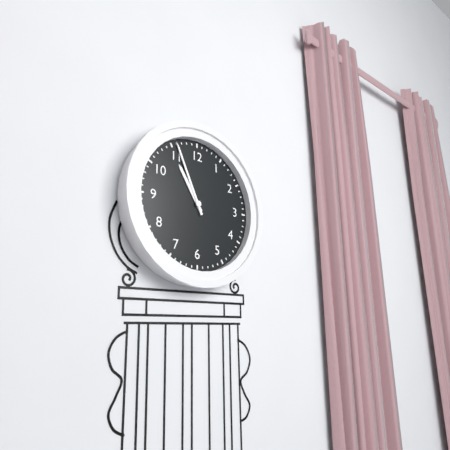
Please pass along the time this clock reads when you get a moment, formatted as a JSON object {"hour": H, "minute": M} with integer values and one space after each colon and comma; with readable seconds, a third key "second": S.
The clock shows {"hour": 10, "minute": 56}
